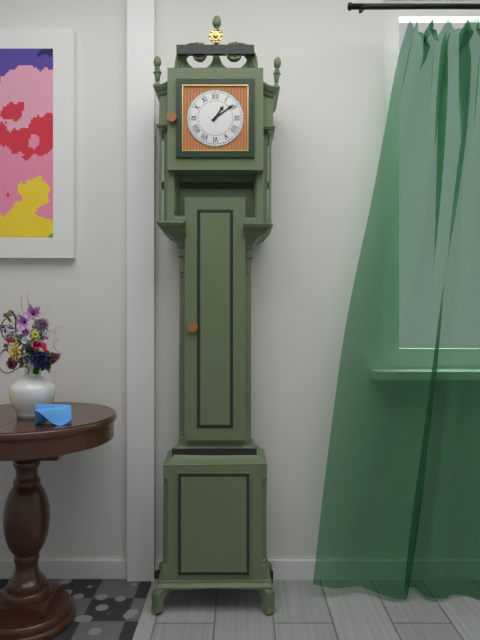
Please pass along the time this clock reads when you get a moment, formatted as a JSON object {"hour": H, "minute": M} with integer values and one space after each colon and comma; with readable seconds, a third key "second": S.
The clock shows {"hour": 1, "minute": 9}
